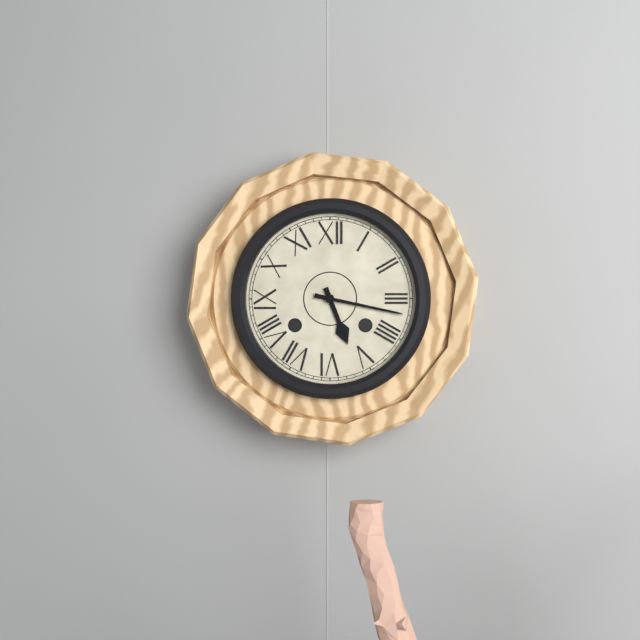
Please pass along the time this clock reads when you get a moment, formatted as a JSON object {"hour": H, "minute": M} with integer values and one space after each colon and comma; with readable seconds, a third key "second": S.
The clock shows {"hour": 5, "minute": 17}
